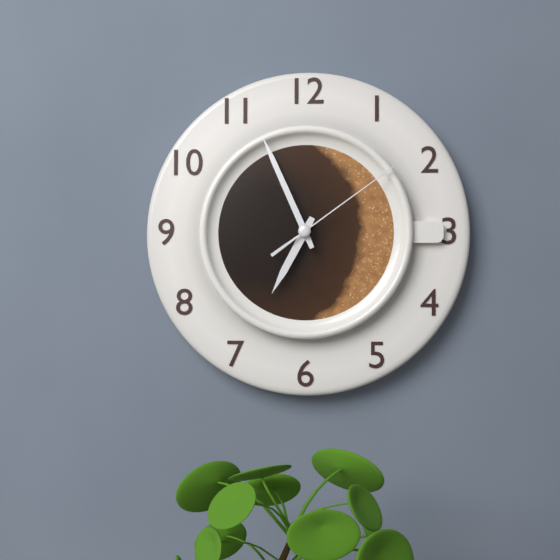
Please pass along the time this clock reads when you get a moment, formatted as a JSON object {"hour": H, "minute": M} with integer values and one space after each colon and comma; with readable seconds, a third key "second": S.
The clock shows {"hour": 6, "minute": 56, "second": 9}
